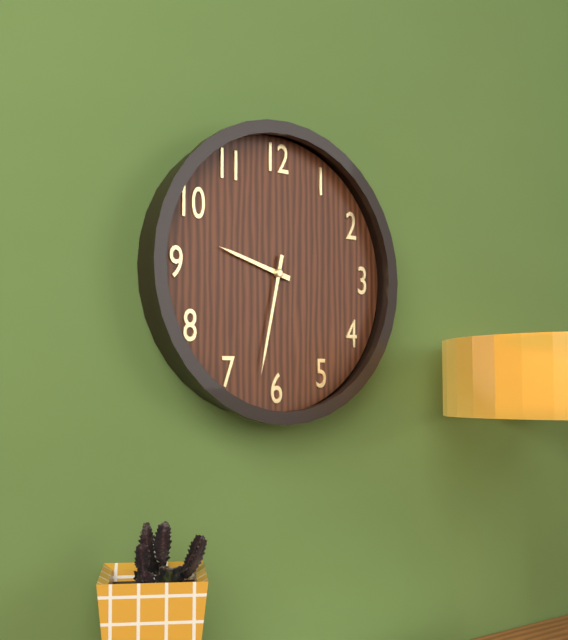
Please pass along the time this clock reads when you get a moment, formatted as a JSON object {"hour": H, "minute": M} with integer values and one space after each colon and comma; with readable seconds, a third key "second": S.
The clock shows {"hour": 9, "minute": 32}
